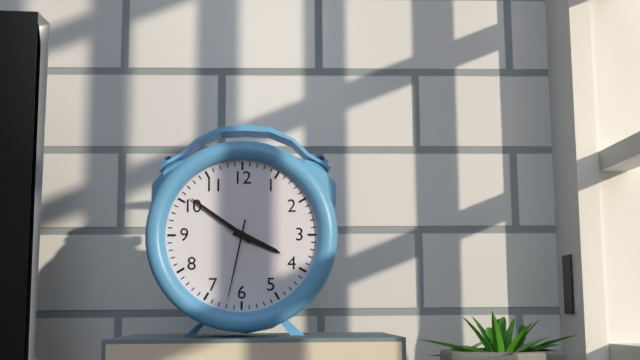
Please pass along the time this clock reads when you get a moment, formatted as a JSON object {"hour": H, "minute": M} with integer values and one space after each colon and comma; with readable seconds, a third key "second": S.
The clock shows {"hour": 3, "minute": 51, "second": 32}
